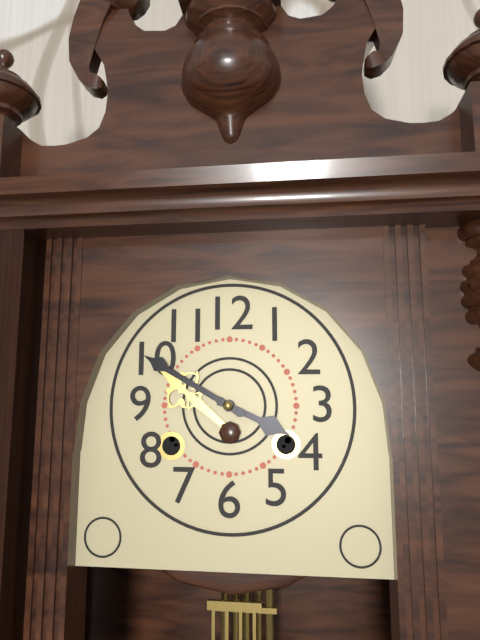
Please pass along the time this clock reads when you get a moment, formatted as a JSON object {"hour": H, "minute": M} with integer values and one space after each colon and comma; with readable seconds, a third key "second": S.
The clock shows {"hour": 3, "minute": 50}
